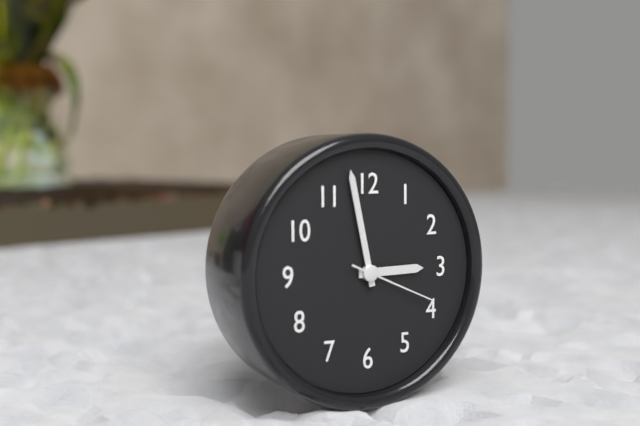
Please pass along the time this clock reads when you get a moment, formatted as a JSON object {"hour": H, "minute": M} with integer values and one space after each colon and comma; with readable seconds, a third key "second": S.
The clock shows {"hour": 2, "minute": 58, "second": 19}
